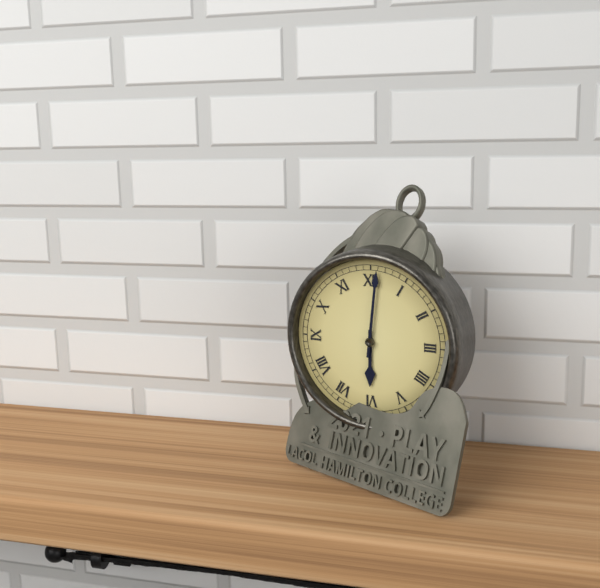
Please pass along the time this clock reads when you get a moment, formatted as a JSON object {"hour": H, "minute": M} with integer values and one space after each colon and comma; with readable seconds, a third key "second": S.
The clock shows {"hour": 6, "minute": 1}
